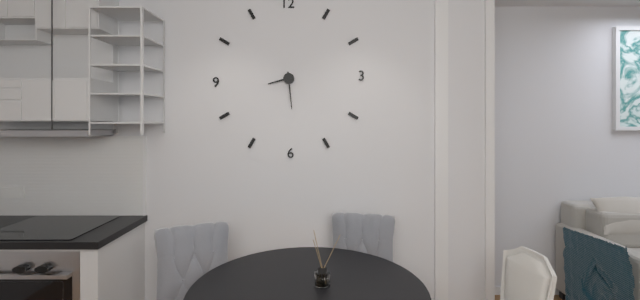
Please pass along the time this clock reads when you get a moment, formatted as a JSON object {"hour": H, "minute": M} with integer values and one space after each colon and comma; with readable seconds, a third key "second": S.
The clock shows {"hour": 8, "minute": 29}
